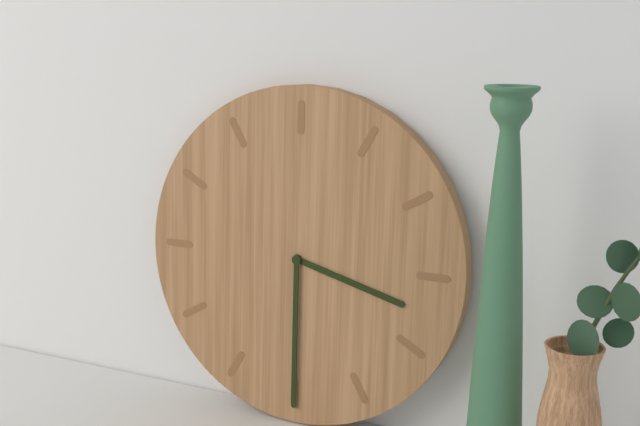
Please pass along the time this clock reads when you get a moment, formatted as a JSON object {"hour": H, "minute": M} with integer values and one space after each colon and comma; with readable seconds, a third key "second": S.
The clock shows {"hour": 3, "minute": 30}
